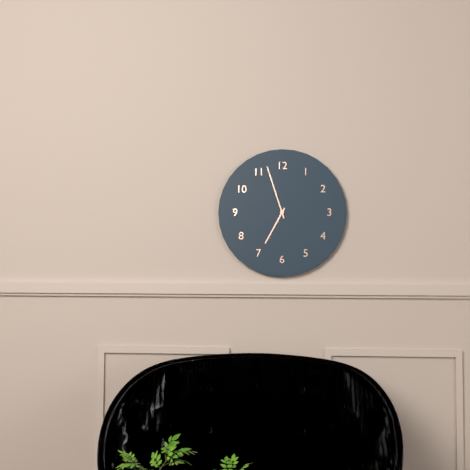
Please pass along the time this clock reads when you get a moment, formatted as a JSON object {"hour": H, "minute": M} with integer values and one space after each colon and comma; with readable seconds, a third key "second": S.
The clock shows {"hour": 6, "minute": 57}
